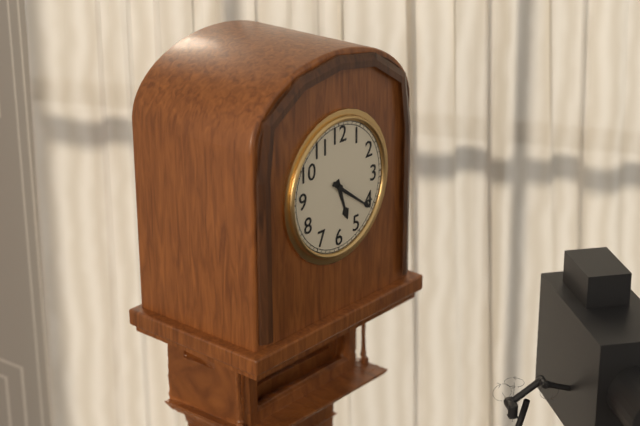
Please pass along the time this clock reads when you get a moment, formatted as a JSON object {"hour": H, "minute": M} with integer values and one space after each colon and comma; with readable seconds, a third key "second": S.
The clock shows {"hour": 5, "minute": 21}
